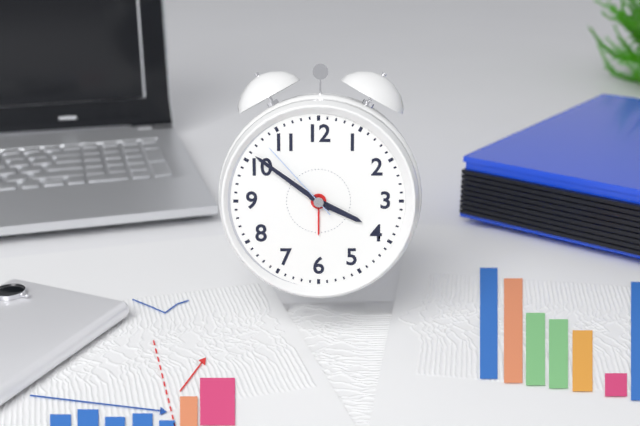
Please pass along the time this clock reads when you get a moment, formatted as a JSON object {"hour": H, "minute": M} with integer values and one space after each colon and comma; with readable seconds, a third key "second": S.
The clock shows {"hour": 3, "minute": 51, "second": 53}
